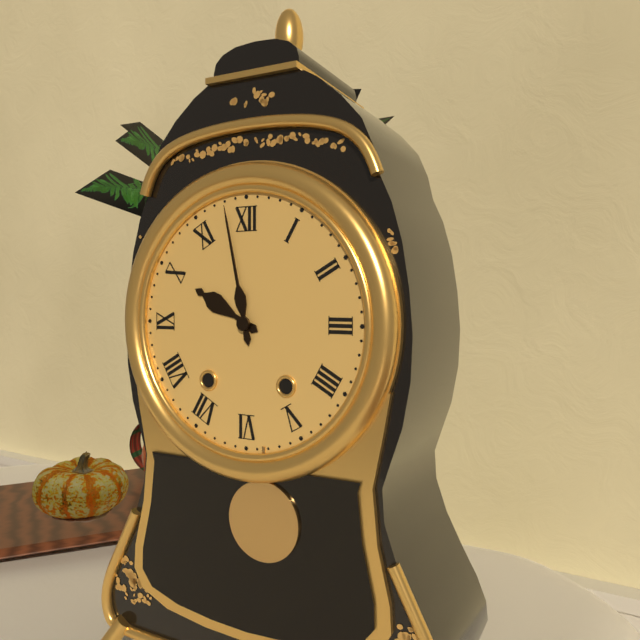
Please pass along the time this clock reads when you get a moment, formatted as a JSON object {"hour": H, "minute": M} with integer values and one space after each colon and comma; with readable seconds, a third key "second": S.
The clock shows {"hour": 9, "minute": 58}
